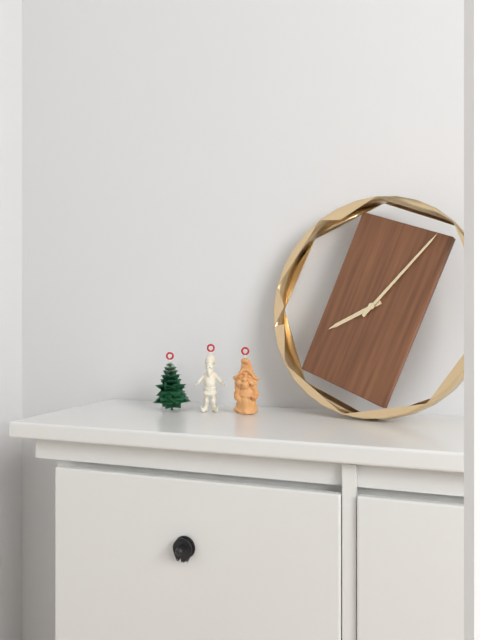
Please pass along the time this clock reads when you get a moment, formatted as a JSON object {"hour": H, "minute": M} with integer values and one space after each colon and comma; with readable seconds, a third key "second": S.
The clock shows {"hour": 8, "minute": 7}
